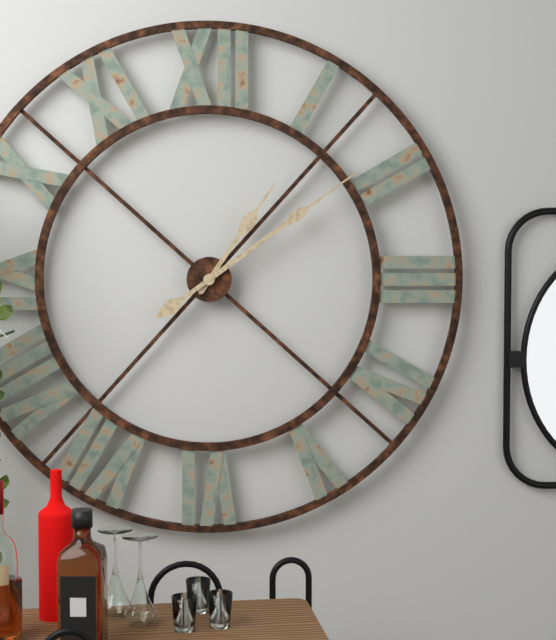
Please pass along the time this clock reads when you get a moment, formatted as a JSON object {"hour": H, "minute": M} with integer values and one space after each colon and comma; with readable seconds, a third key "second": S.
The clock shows {"hour": 1, "minute": 9}
